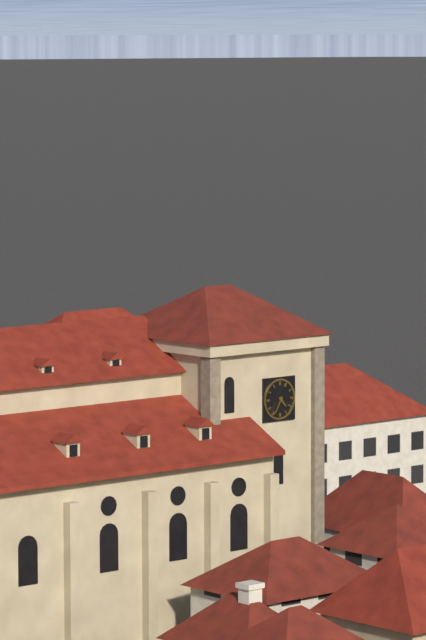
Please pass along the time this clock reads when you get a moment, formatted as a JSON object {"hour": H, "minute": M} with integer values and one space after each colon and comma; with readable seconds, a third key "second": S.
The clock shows {"hour": 4, "minute": 35}
